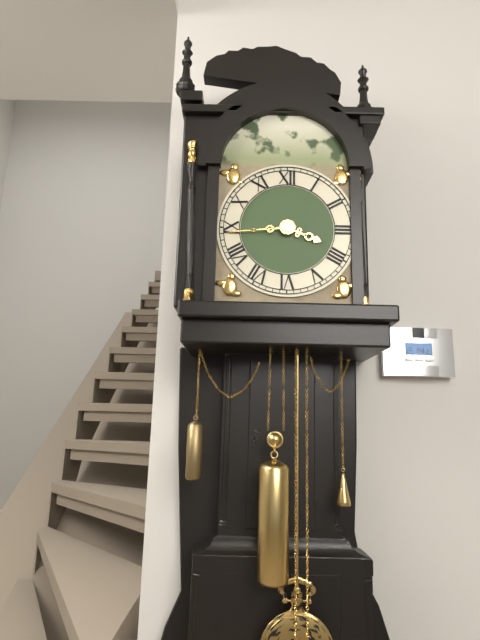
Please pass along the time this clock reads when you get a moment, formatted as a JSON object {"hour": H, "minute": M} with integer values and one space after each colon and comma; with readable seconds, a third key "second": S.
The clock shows {"hour": 3, "minute": 44}
